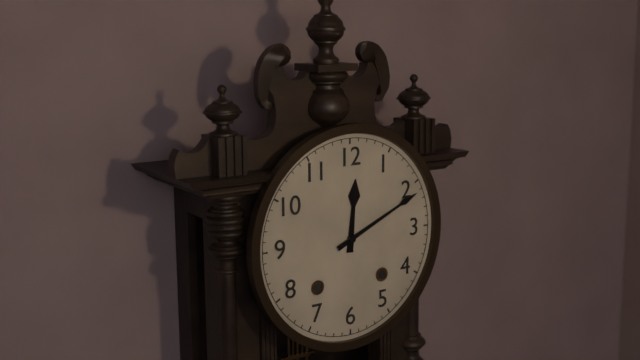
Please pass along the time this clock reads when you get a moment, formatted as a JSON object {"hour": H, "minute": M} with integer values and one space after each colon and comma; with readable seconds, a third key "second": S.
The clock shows {"hour": 12, "minute": 11}
